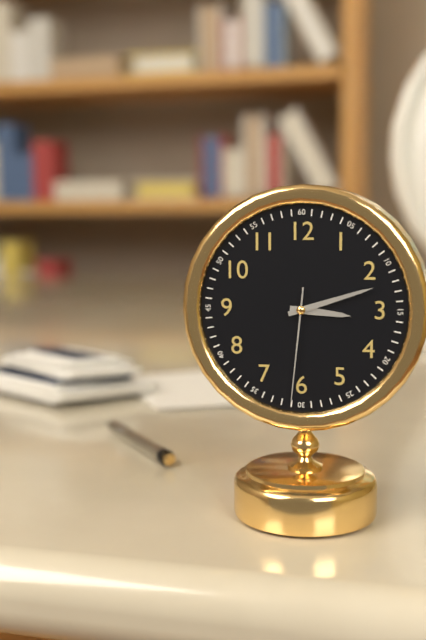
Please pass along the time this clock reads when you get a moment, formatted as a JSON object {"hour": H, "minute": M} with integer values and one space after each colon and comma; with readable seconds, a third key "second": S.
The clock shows {"hour": 3, "minute": 12, "second": 31}
